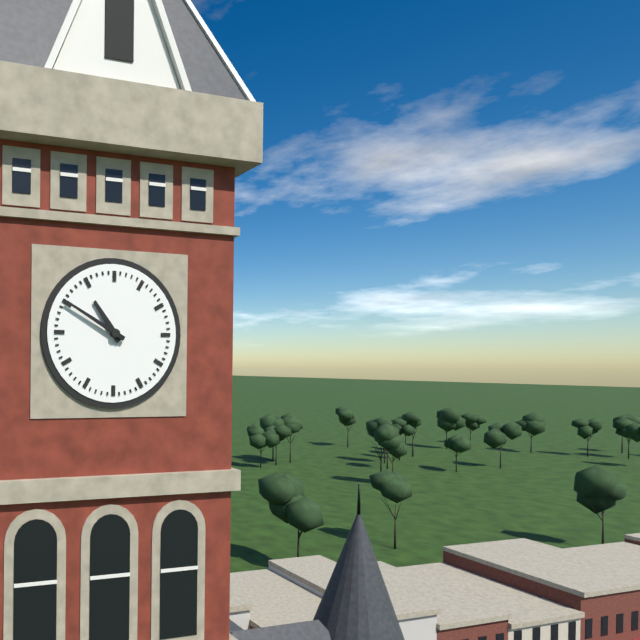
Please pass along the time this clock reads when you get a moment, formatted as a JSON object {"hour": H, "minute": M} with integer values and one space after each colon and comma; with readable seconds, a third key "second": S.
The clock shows {"hour": 10, "minute": 50}
